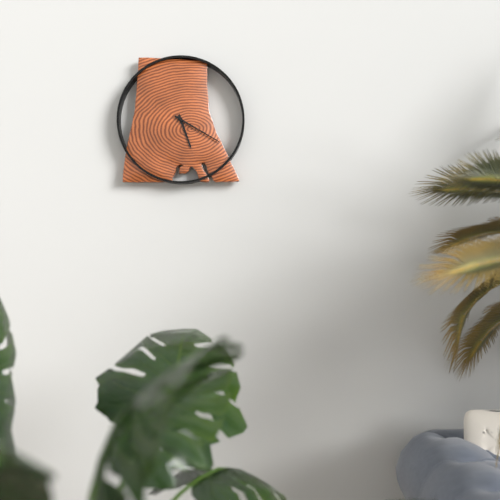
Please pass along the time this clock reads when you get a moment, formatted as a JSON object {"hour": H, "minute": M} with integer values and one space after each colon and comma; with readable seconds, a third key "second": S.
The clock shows {"hour": 5, "minute": 20}
